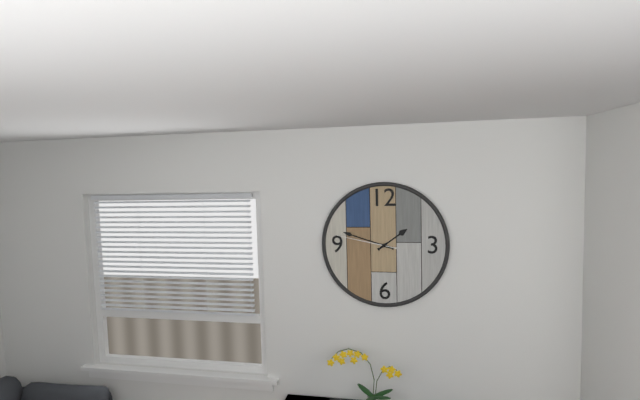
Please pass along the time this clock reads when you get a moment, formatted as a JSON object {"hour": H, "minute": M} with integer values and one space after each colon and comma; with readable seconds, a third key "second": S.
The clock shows {"hour": 1, "minute": 48, "second": 47}
